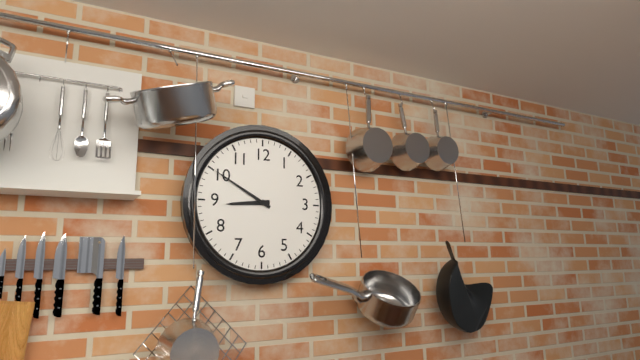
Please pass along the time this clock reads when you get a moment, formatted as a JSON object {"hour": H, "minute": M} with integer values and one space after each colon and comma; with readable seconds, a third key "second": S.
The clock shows {"hour": 8, "minute": 50}
